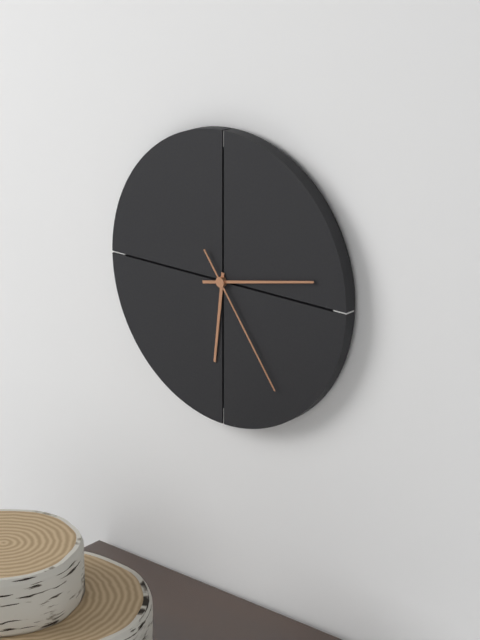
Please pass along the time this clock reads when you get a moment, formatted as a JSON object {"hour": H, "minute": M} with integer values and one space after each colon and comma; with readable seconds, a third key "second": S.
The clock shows {"hour": 6, "minute": 13, "second": 24}
